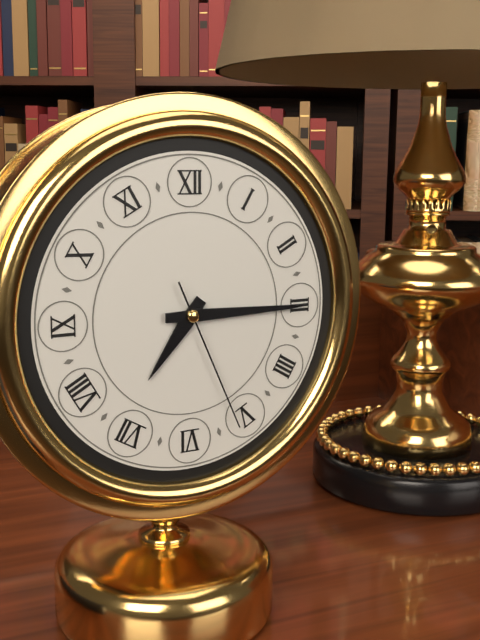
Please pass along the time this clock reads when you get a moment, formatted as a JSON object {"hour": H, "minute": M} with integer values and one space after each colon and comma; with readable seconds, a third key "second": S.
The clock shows {"hour": 7, "minute": 15, "second": 26}
